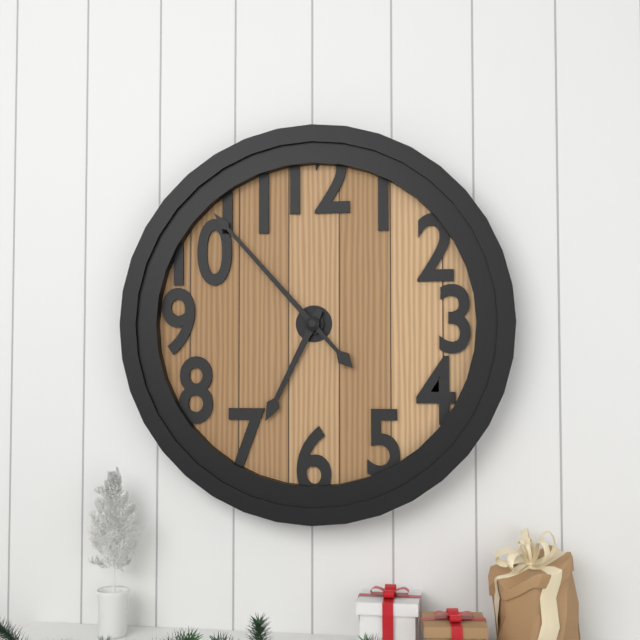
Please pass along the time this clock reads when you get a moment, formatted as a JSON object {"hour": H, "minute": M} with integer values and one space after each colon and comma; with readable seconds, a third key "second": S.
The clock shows {"hour": 6, "minute": 53}
